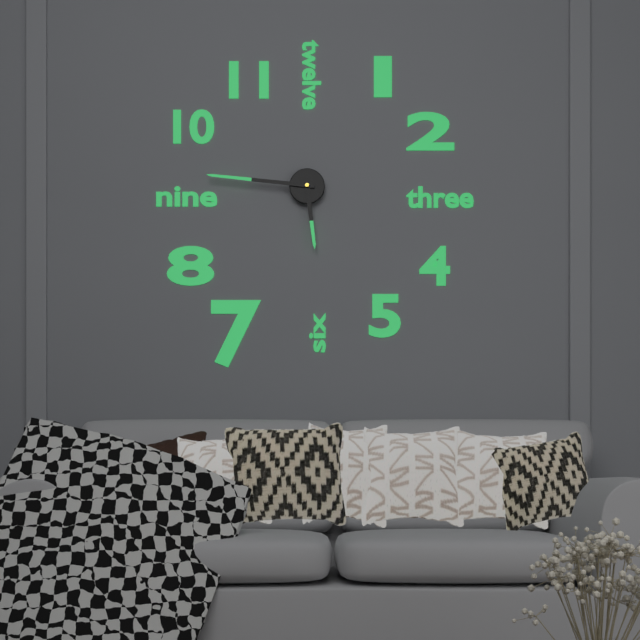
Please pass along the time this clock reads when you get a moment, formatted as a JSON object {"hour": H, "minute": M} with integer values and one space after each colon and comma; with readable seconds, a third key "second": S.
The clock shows {"hour": 5, "minute": 46}
